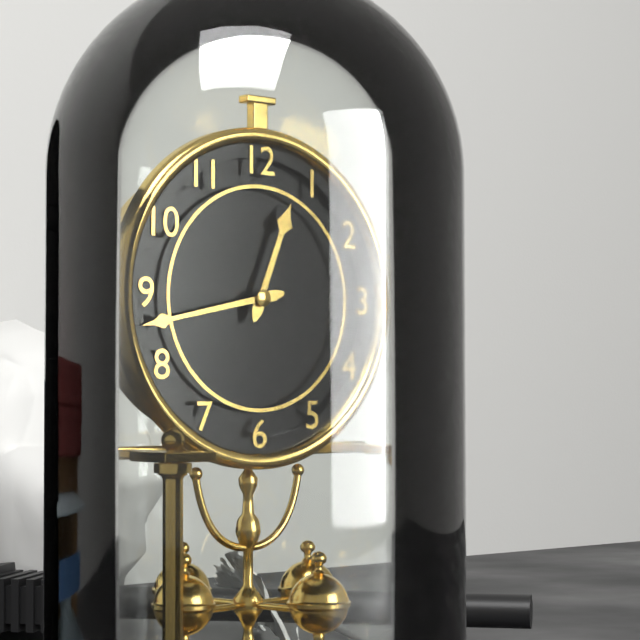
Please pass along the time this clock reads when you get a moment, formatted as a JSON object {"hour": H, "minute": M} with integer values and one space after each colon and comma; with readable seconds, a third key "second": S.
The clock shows {"hour": 12, "minute": 43}
